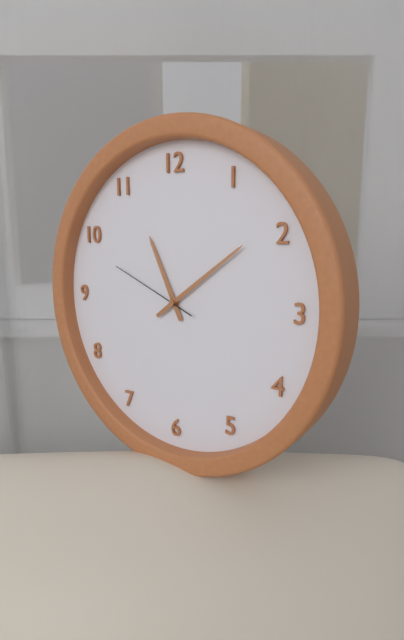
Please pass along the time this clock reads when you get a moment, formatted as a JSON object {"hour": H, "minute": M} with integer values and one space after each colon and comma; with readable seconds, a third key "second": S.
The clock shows {"hour": 11, "minute": 9, "second": 49}
